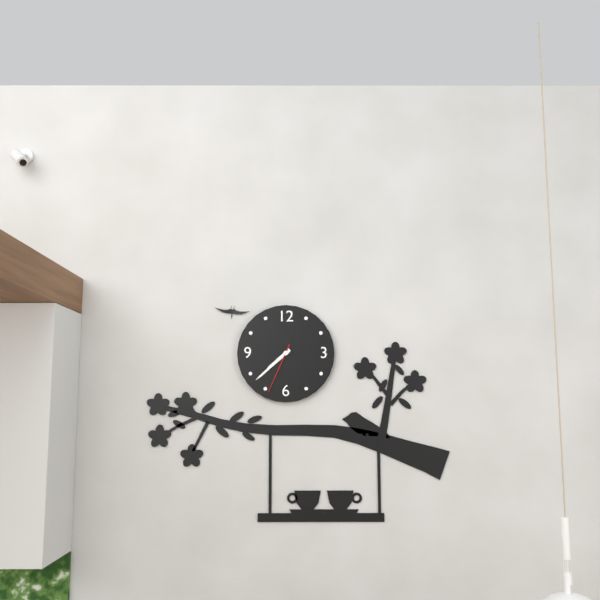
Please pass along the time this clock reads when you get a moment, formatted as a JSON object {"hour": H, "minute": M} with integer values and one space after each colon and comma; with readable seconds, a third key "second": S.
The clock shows {"hour": 7, "minute": 38, "second": 34}
